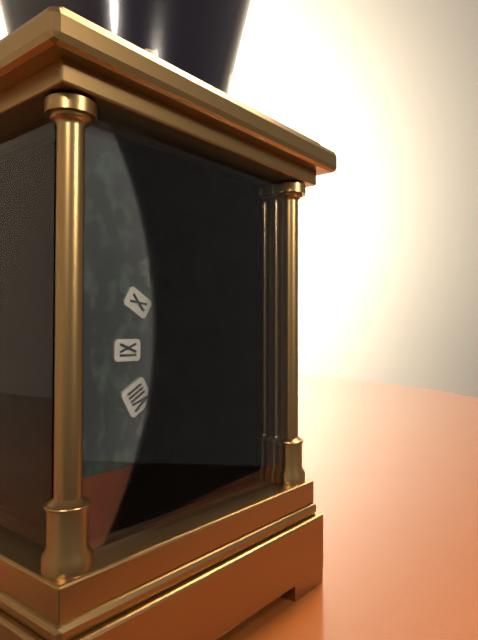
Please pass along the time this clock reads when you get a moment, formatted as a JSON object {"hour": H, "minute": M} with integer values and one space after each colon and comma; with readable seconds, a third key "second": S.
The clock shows {"hour": 6, "minute": 55}
